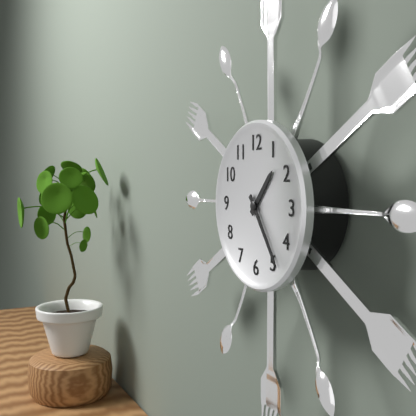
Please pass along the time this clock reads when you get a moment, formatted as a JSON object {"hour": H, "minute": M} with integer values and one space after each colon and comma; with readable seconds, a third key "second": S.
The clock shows {"hour": 1, "minute": 24}
